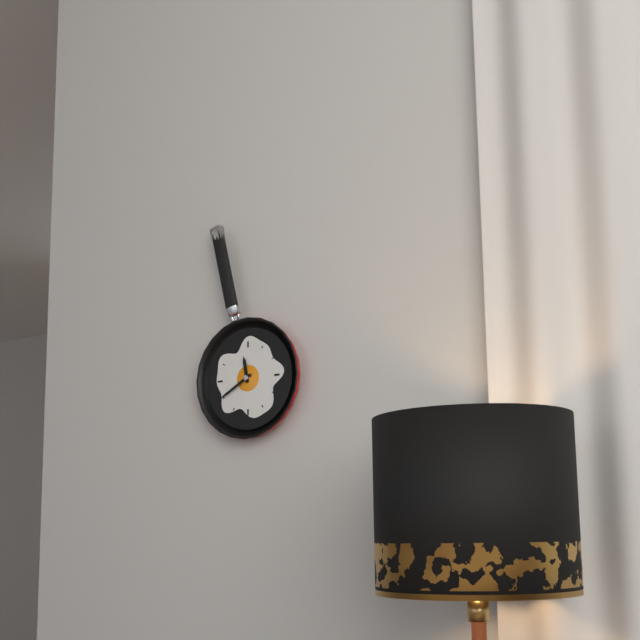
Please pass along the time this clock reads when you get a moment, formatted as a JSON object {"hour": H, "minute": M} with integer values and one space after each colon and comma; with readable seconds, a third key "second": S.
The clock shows {"hour": 11, "minute": 40}
